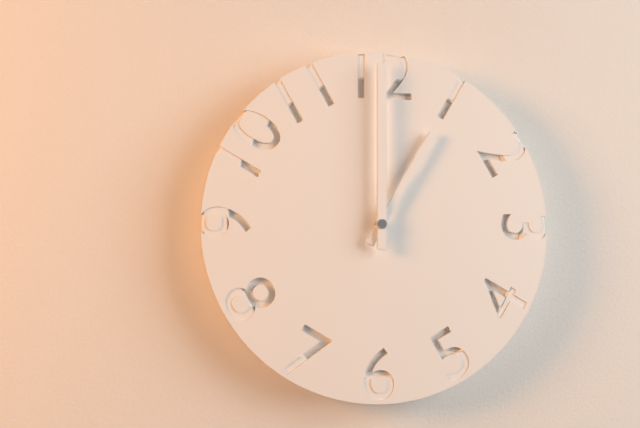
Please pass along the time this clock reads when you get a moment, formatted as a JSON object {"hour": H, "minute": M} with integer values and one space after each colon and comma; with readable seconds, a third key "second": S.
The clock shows {"hour": 1, "minute": 0}
